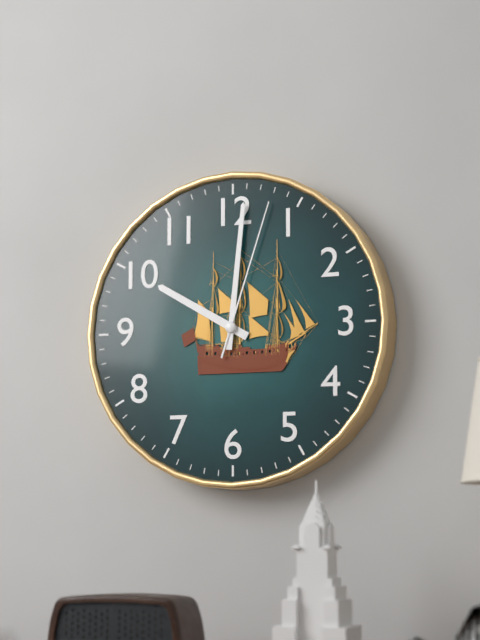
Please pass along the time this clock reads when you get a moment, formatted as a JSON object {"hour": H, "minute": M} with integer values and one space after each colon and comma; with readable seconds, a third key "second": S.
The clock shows {"hour": 10, "minute": 1, "second": 3}
